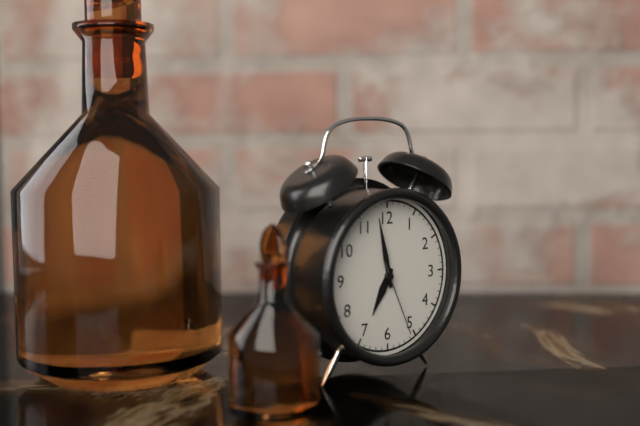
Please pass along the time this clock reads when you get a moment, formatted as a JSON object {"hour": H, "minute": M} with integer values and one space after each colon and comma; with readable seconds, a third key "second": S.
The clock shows {"hour": 6, "minute": 58, "second": 26}
